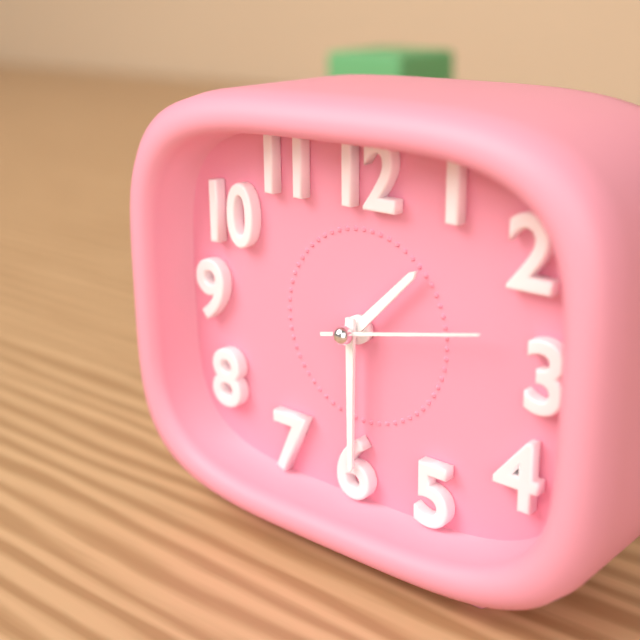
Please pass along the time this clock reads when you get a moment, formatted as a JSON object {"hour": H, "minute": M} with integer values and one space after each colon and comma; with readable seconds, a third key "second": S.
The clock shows {"hour": 1, "minute": 30, "second": 13}
